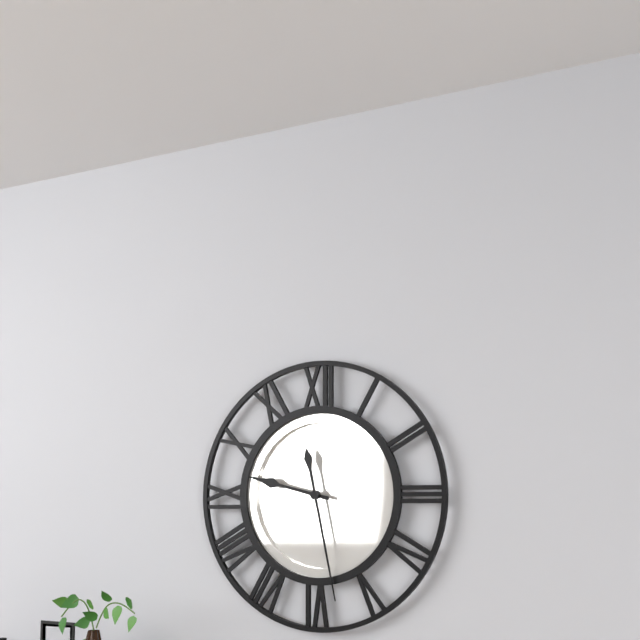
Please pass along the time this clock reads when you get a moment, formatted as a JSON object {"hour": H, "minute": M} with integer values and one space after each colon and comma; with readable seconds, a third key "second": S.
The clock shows {"hour": 9, "minute": 28}
